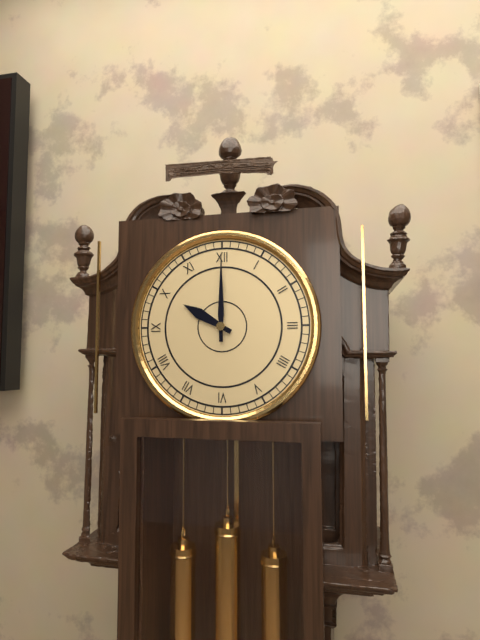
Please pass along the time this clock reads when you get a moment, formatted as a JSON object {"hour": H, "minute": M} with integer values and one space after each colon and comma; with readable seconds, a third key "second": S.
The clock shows {"hour": 10, "minute": 0}
